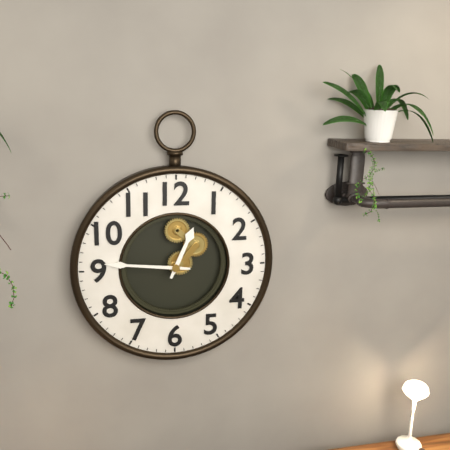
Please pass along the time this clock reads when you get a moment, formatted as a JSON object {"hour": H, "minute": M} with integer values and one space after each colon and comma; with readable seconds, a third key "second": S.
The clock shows {"hour": 12, "minute": 46}
